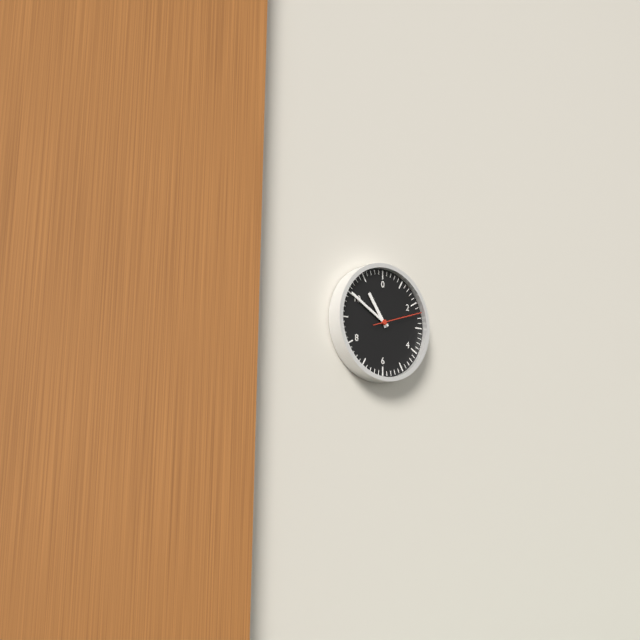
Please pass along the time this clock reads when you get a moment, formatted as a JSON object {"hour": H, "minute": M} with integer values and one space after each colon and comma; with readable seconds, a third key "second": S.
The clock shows {"hour": 10, "minute": 50}
